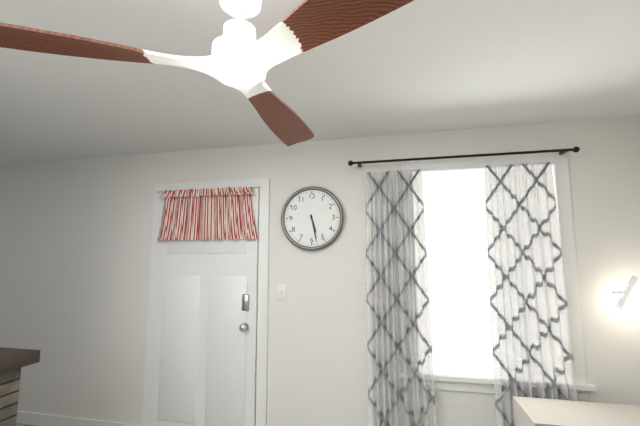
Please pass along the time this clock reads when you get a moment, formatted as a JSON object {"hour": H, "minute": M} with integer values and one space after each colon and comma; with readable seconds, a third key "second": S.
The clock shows {"hour": 5, "minute": 28}
